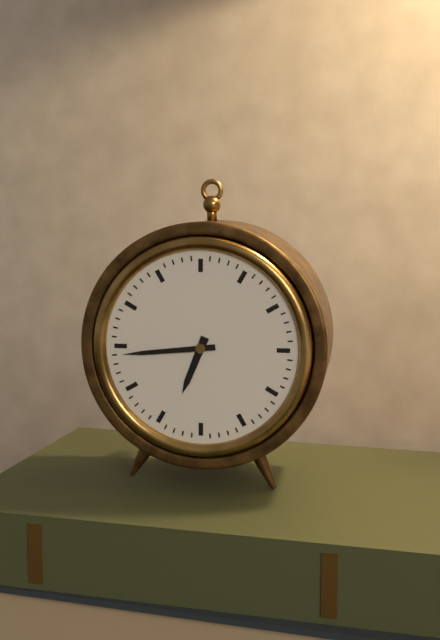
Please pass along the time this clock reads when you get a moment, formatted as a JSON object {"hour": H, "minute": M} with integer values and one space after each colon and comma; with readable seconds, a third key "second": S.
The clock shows {"hour": 6, "minute": 44}
